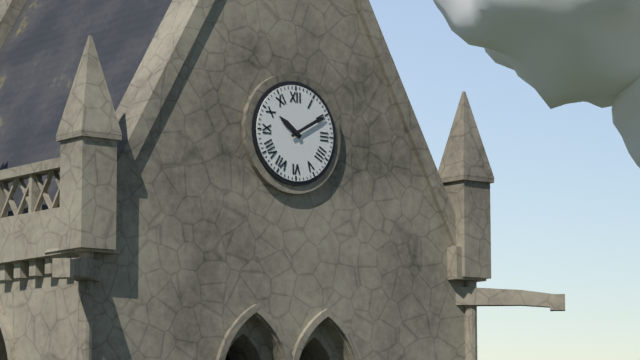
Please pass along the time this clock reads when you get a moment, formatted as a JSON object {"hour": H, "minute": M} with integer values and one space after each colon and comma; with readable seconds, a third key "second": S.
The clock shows {"hour": 10, "minute": 10}
